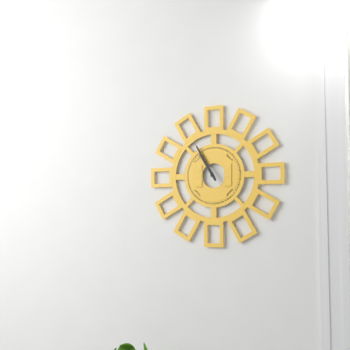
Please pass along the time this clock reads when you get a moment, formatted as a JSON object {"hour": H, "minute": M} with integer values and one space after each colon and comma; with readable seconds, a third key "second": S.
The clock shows {"hour": 10, "minute": 55}
